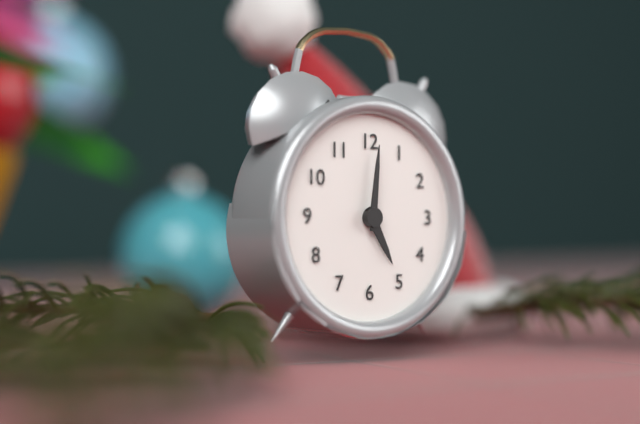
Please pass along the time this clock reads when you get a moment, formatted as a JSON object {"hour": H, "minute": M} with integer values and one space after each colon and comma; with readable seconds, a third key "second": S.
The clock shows {"hour": 5, "minute": 1}
